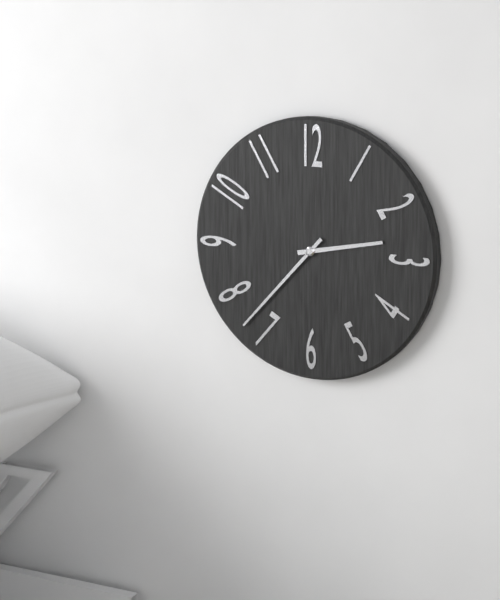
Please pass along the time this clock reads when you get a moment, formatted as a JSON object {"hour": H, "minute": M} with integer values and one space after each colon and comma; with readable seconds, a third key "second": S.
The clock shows {"hour": 2, "minute": 37}
